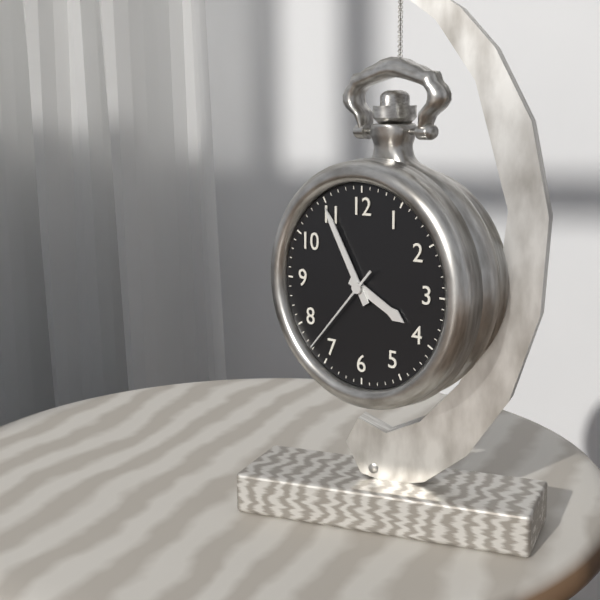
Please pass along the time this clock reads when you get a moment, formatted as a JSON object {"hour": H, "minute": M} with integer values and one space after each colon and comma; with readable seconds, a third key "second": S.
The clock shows {"hour": 3, "minute": 55, "second": 37}
